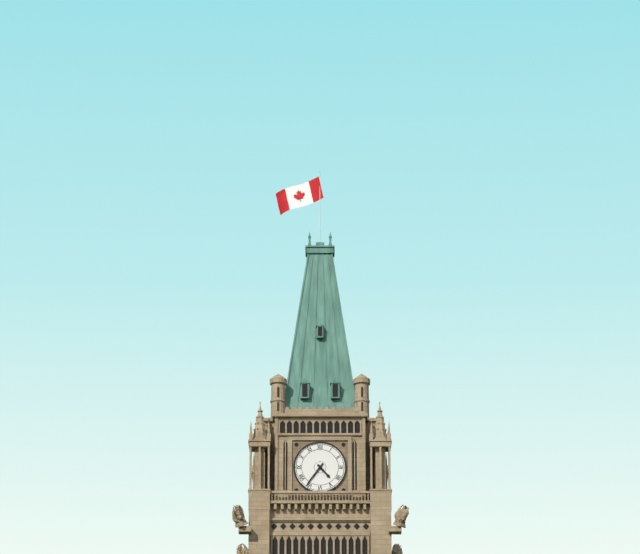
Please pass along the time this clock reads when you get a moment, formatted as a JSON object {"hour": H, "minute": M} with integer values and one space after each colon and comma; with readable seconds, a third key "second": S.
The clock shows {"hour": 4, "minute": 36}
